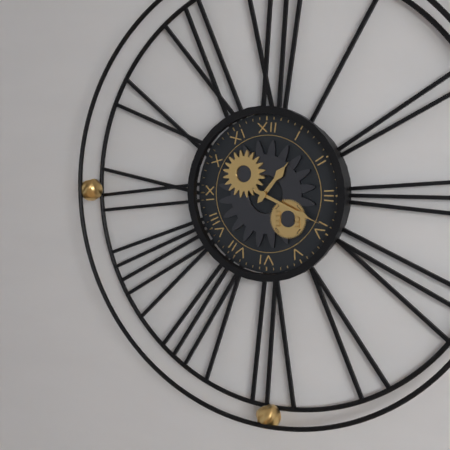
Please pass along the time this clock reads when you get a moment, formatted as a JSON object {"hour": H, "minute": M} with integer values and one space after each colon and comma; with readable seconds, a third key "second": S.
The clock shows {"hour": 1, "minute": 19}
